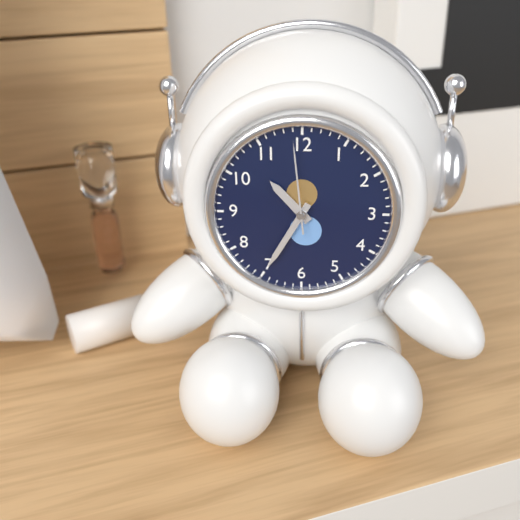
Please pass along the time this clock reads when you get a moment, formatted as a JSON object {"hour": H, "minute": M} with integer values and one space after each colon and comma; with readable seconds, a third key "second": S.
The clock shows {"hour": 10, "minute": 35, "second": 59}
